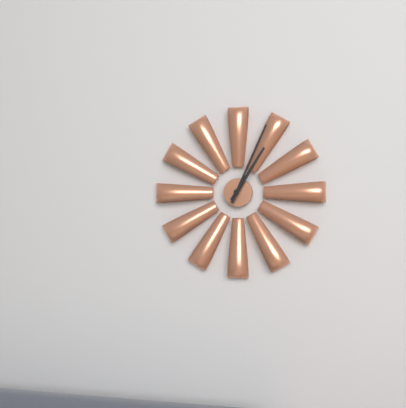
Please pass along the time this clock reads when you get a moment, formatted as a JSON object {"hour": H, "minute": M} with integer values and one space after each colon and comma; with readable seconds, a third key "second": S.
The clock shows {"hour": 1, "minute": 4}
